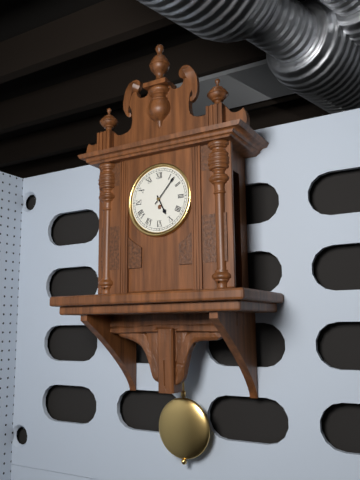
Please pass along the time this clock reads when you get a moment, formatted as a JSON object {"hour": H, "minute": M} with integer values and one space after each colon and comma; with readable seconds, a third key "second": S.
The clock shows {"hour": 5, "minute": 7}
